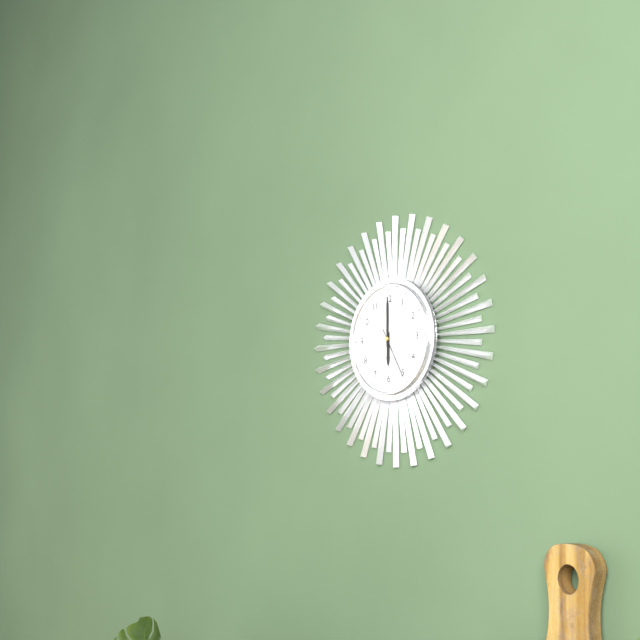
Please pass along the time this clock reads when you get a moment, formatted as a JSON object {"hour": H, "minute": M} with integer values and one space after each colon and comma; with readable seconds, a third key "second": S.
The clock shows {"hour": 6, "minute": 0, "second": 25}
